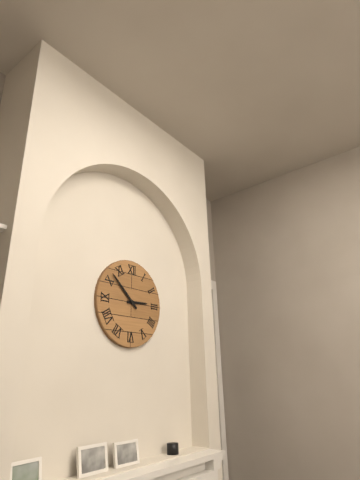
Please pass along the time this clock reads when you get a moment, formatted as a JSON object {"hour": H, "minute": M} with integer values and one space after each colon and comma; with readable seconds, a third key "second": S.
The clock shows {"hour": 2, "minute": 52}
